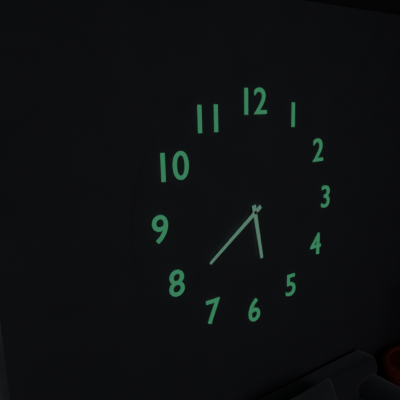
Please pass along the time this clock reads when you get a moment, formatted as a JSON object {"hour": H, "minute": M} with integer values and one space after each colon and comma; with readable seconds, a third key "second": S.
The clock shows {"hour": 5, "minute": 39}
